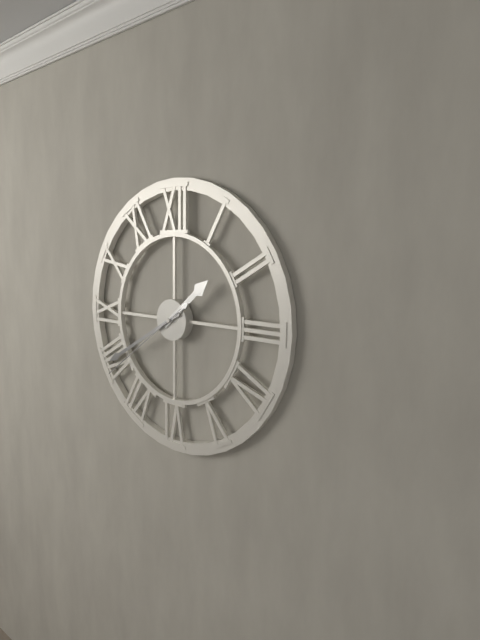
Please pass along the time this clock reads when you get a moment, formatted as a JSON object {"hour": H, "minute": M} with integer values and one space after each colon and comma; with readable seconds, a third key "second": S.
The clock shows {"hour": 1, "minute": 40, "second": 39}
